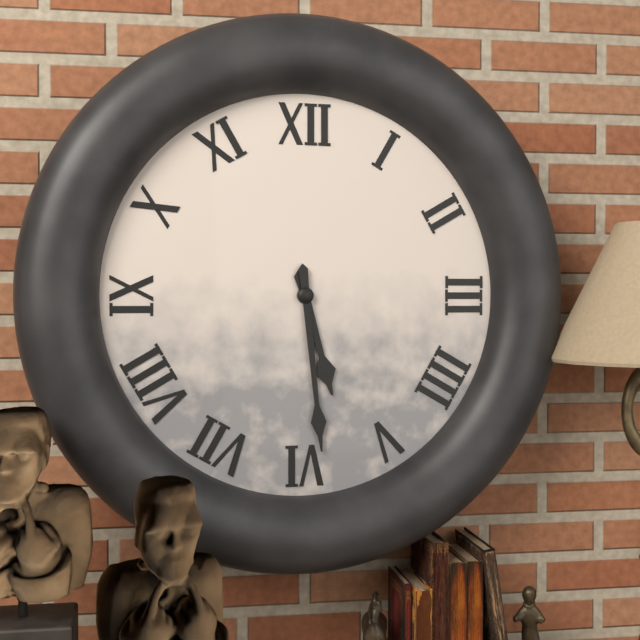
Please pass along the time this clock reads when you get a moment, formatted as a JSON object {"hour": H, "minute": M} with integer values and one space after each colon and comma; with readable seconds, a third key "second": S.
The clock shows {"hour": 5, "minute": 29}
